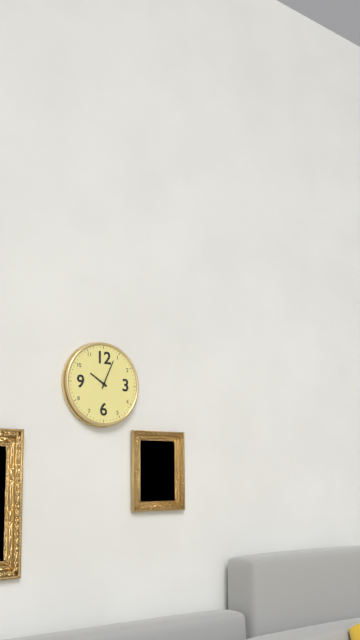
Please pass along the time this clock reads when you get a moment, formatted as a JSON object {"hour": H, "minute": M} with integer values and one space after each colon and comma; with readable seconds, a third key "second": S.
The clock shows {"hour": 10, "minute": 4}
